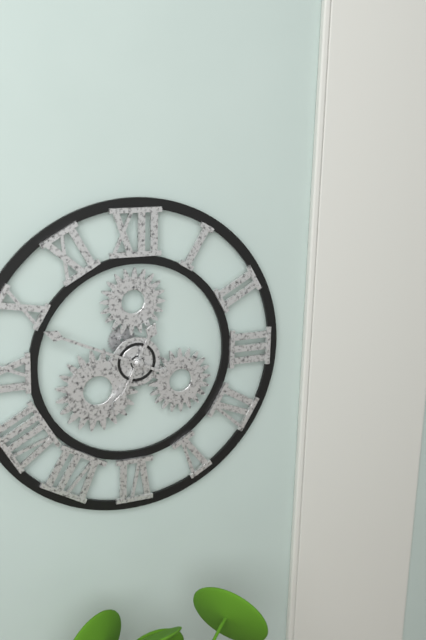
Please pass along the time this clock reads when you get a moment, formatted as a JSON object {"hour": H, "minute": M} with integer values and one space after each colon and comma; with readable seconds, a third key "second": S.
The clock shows {"hour": 6, "minute": 49}
